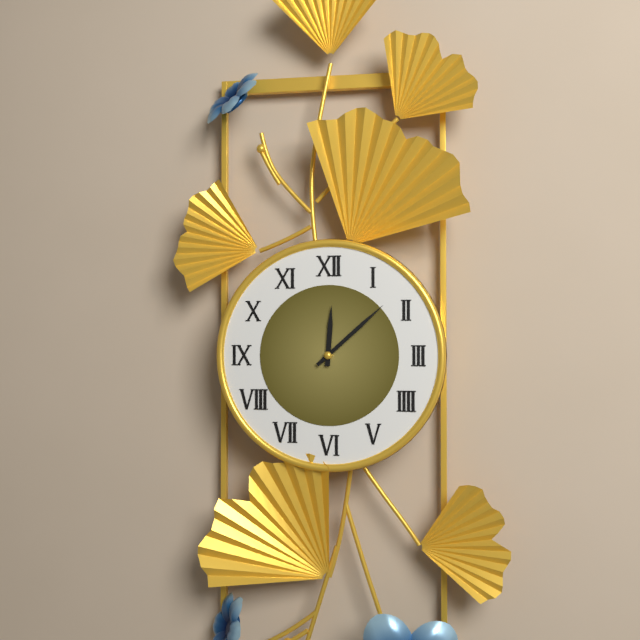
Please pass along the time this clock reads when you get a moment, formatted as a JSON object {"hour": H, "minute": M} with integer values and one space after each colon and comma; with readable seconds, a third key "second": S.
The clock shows {"hour": 12, "minute": 8}
